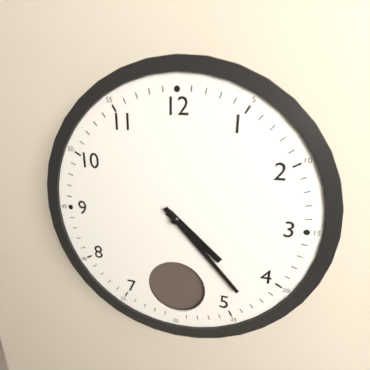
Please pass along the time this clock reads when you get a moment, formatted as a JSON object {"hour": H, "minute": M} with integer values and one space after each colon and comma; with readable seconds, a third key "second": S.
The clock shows {"hour": 4, "minute": 23}
